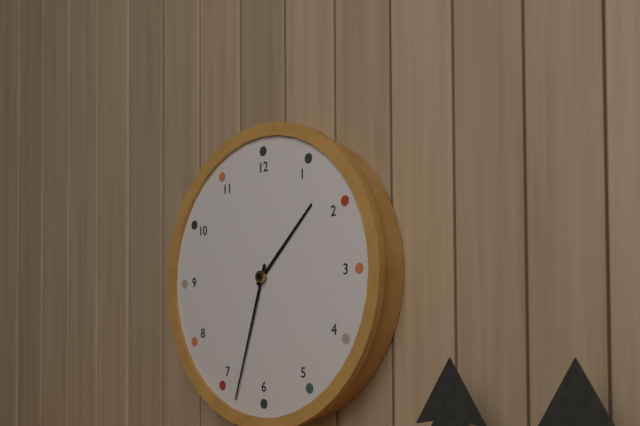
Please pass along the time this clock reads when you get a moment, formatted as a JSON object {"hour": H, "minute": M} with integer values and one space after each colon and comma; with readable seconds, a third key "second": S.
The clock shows {"hour": 1, "minute": 33}
